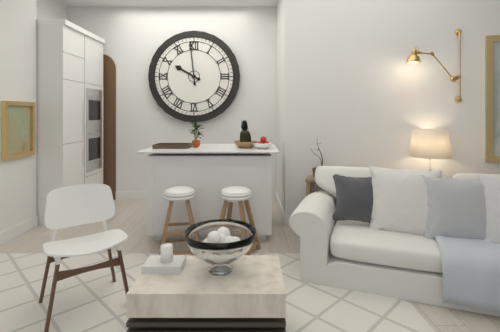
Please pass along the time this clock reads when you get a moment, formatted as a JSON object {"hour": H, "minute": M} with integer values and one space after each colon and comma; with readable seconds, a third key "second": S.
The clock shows {"hour": 9, "minute": 59}
